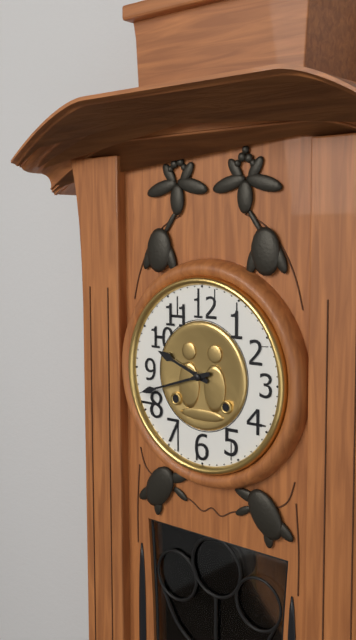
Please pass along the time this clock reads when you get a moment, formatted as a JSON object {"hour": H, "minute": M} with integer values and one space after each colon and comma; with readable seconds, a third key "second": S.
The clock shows {"hour": 9, "minute": 42}
